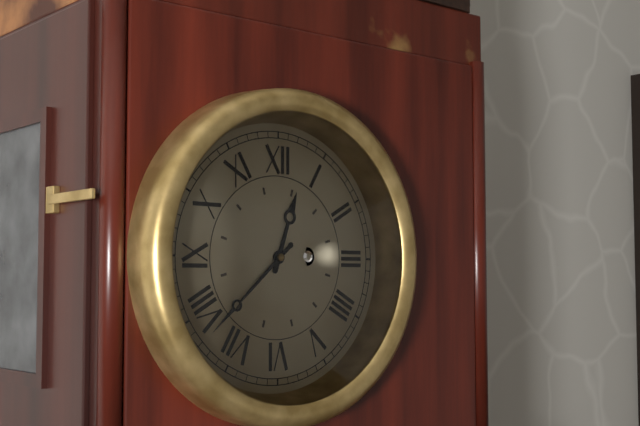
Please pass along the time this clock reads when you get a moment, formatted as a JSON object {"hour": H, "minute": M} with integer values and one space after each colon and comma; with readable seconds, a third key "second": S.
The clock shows {"hour": 12, "minute": 38}
